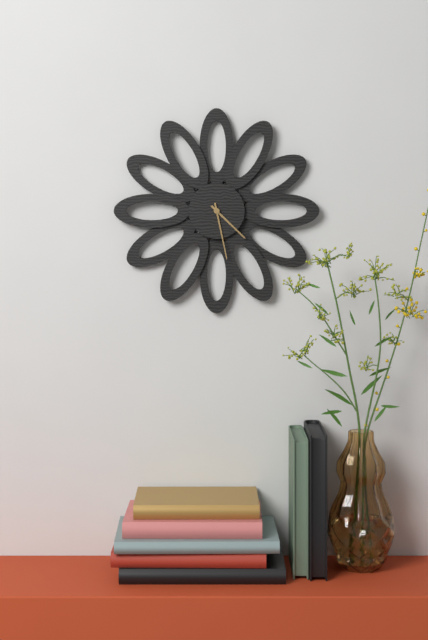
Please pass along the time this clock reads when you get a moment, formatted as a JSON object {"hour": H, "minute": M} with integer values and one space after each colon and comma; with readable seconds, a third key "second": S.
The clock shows {"hour": 4, "minute": 28}
